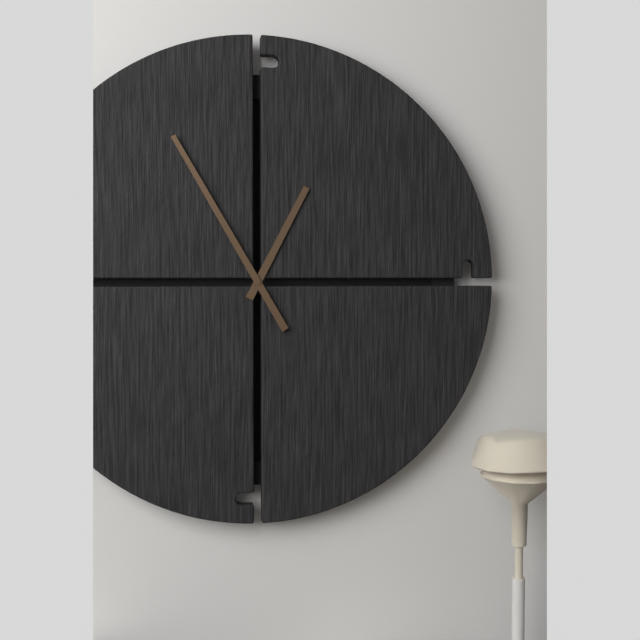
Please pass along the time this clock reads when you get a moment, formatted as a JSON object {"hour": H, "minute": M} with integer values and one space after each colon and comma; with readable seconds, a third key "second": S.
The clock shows {"hour": 12, "minute": 55}
